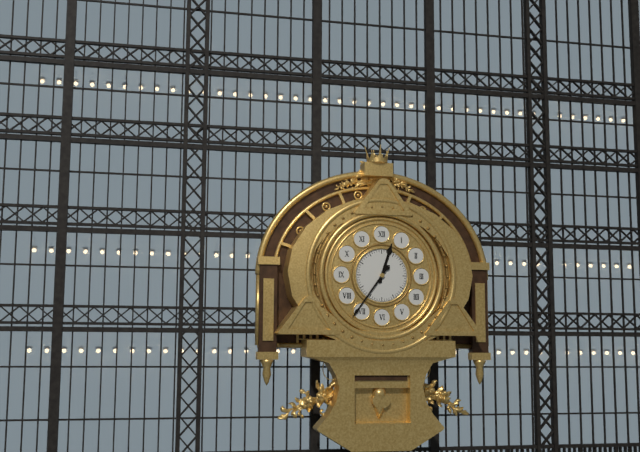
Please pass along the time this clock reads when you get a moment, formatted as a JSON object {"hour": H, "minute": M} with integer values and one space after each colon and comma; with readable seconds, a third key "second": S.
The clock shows {"hour": 12, "minute": 36}
